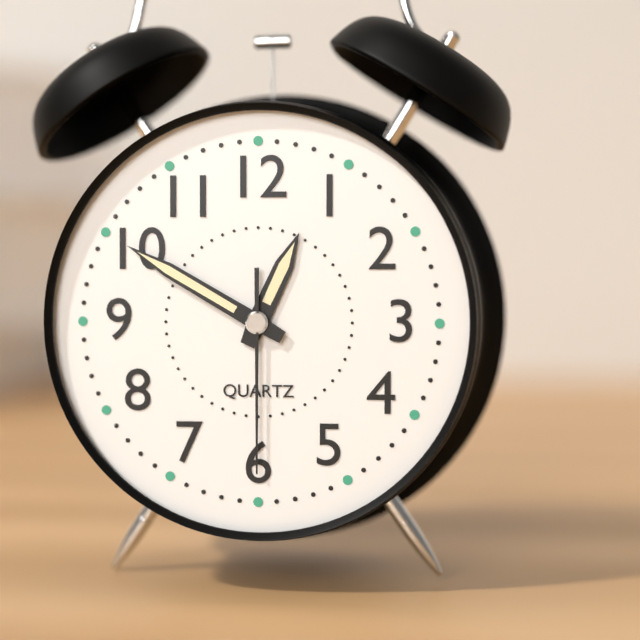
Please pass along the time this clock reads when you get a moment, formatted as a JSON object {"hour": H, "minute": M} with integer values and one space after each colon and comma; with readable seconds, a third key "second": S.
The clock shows {"hour": 12, "minute": 50, "second": 30}
